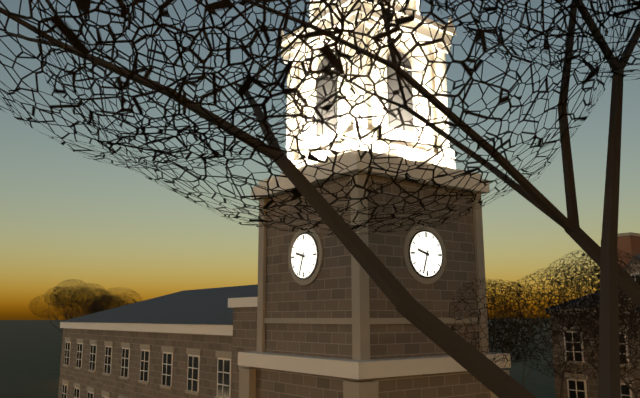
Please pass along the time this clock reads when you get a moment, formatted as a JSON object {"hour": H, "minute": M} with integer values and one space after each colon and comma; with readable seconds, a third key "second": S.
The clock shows {"hour": 9, "minute": 33}
